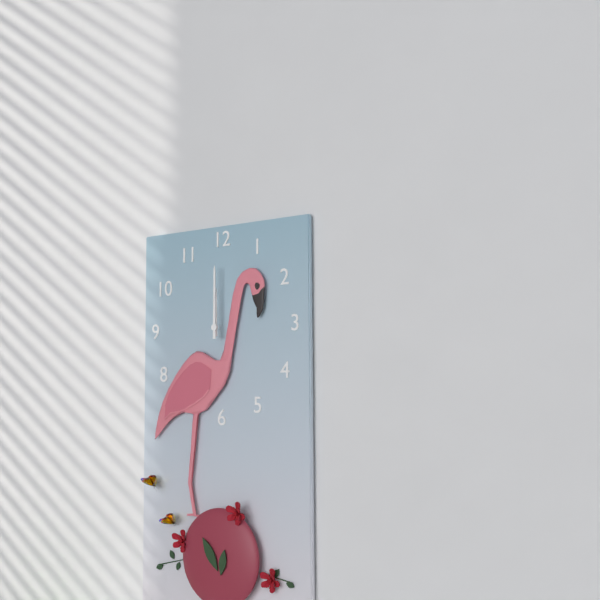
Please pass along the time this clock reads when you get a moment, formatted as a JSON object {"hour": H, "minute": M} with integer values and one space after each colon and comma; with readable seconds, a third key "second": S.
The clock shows {"hour": 12, "minute": 0}
